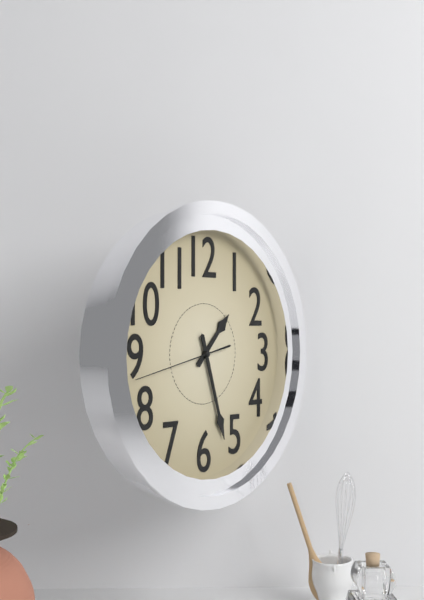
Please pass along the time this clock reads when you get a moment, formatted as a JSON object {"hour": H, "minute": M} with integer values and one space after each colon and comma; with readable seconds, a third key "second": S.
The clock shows {"hour": 1, "minute": 27, "second": 43}
